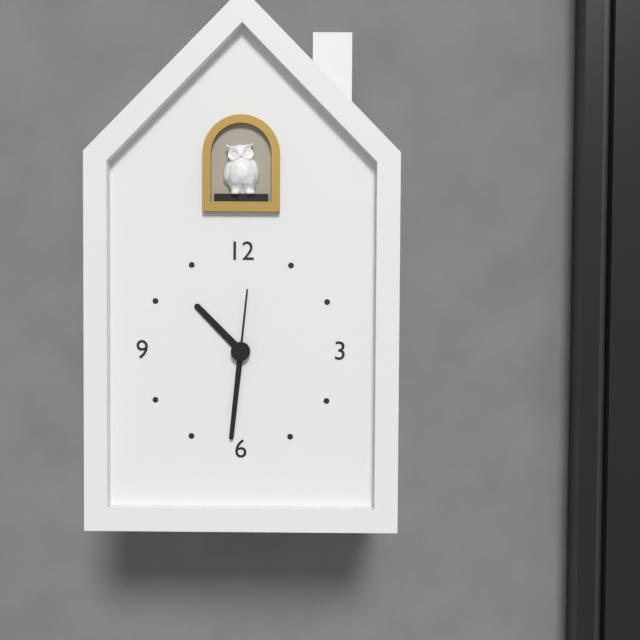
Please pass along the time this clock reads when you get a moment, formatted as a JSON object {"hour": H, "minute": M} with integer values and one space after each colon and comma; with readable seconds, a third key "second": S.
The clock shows {"hour": 10, "minute": 31, "second": 1}
